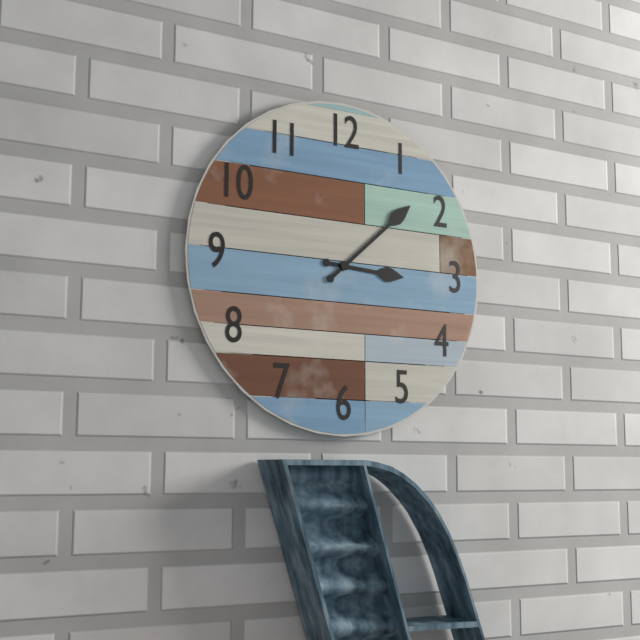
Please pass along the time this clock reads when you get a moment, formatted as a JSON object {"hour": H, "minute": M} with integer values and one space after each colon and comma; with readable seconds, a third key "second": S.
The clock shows {"hour": 3, "minute": 8}
